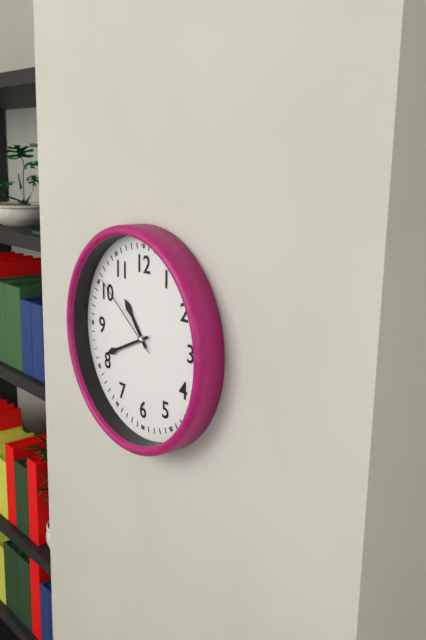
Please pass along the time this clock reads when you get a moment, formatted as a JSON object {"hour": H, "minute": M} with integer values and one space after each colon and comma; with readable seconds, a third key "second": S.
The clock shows {"hour": 10, "minute": 41, "second": 51}
